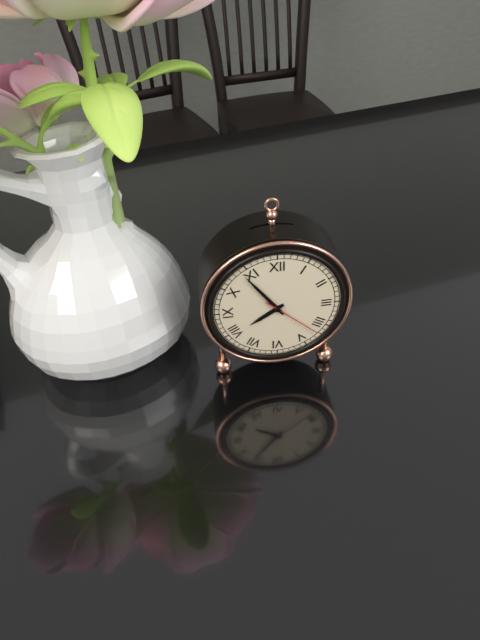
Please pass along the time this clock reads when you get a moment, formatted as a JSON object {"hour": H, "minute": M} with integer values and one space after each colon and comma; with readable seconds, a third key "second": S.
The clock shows {"hour": 7, "minute": 54, "second": 22}
